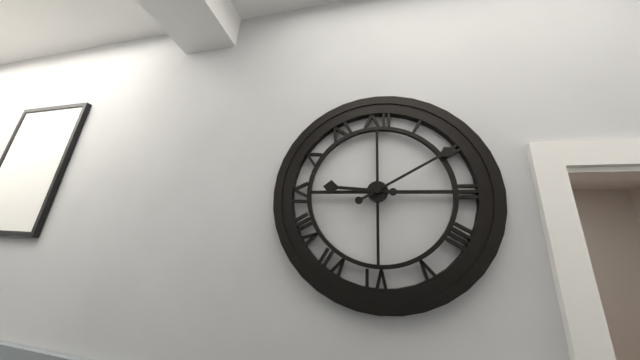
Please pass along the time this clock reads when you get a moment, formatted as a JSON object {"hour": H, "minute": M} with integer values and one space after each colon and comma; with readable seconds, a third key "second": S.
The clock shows {"hour": 9, "minute": 10}
